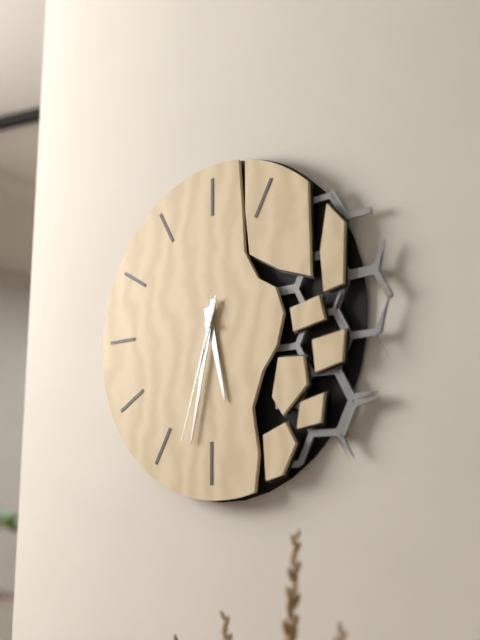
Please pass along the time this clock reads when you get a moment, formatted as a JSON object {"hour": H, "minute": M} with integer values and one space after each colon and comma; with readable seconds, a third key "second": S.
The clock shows {"hour": 5, "minute": 32, "second": 33}
